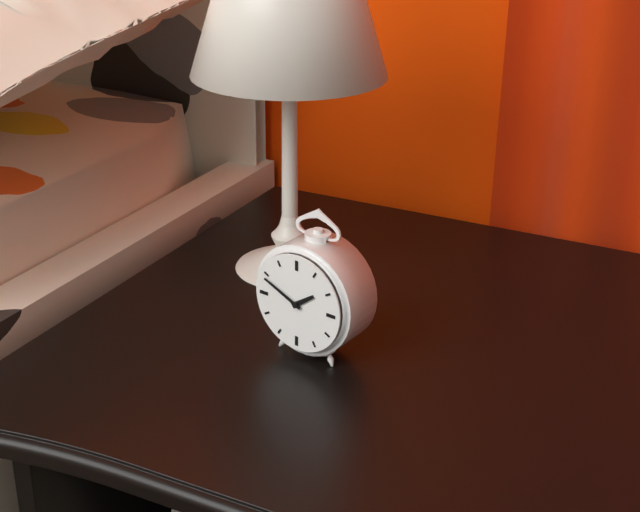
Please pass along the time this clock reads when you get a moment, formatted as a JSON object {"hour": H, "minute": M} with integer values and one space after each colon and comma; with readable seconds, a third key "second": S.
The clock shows {"hour": 1, "minute": 49}
